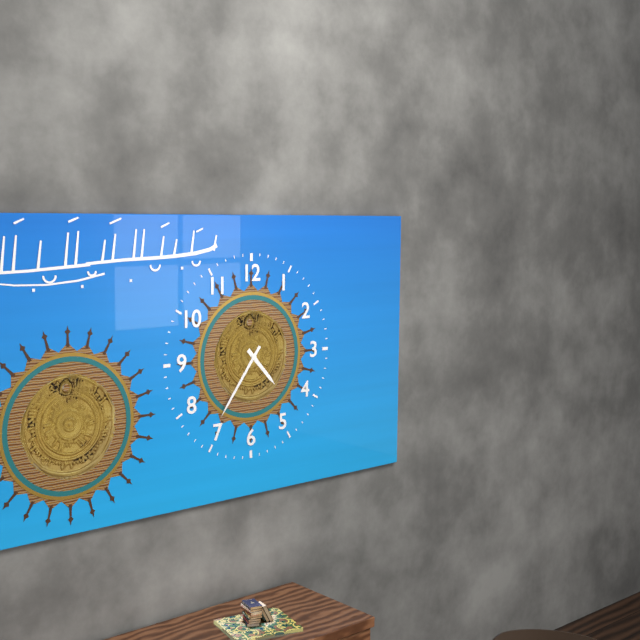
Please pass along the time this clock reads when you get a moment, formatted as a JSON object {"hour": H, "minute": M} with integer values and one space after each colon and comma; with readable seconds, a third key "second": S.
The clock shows {"hour": 4, "minute": 36}
